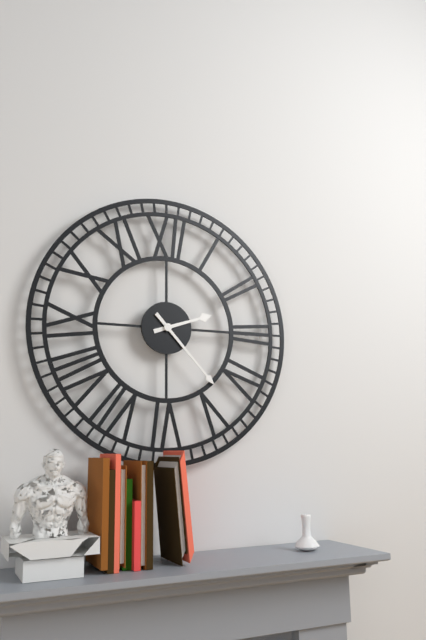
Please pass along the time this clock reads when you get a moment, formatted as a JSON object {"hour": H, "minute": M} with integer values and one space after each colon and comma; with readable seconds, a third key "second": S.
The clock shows {"hour": 2, "minute": 23}
